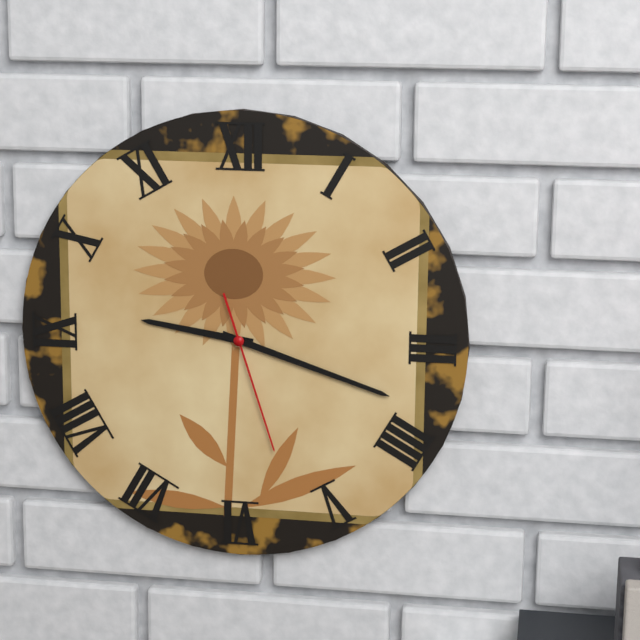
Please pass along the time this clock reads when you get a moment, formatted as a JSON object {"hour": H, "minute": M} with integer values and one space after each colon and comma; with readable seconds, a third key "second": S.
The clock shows {"hour": 9, "minute": 18, "second": 27}
